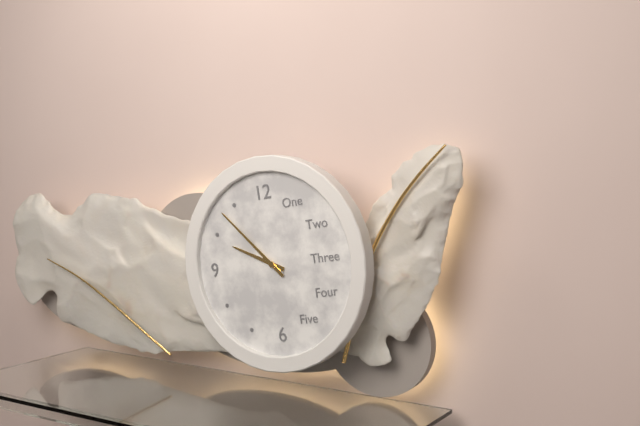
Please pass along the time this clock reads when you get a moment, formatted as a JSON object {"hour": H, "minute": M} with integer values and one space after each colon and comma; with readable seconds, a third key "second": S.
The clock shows {"hour": 9, "minute": 53}
